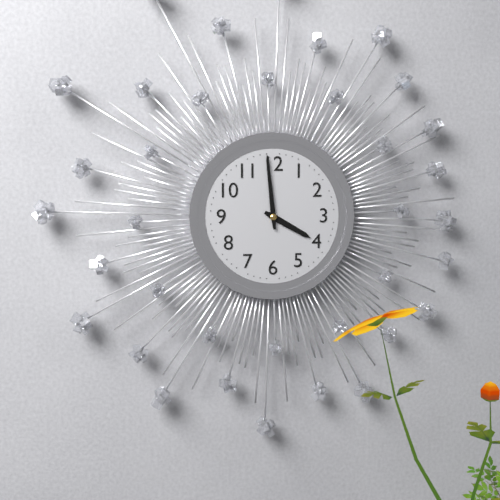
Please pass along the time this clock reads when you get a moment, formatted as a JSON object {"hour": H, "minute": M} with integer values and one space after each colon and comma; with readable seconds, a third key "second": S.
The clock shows {"hour": 3, "minute": 59}
